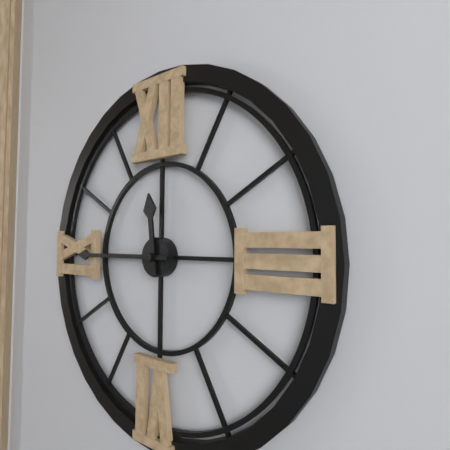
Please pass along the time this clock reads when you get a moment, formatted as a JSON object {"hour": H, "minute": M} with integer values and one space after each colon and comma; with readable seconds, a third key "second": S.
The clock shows {"hour": 11, "minute": 45}
